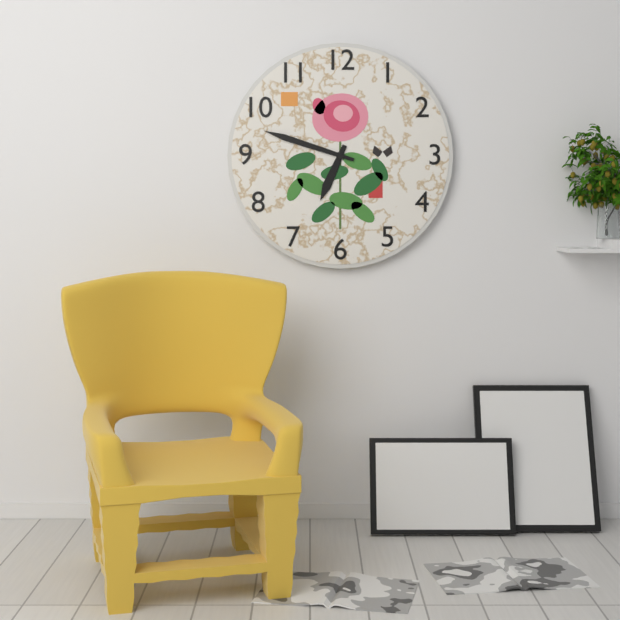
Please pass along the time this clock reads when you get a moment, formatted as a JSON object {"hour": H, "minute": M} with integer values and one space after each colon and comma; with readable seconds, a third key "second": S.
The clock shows {"hour": 6, "minute": 48}
